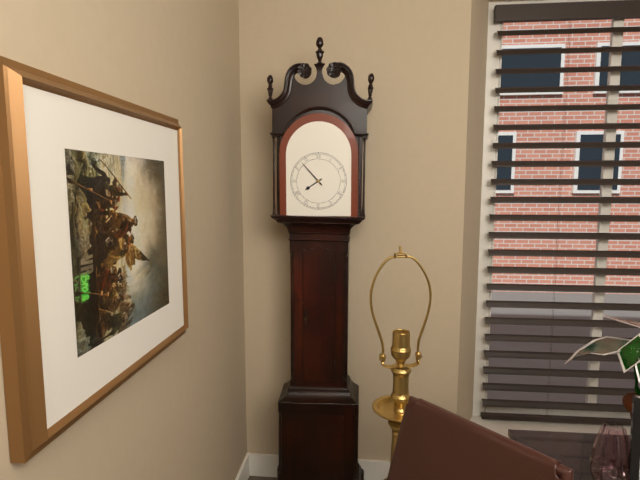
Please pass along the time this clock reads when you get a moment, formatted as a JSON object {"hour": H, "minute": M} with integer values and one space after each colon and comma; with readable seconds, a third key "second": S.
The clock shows {"hour": 7, "minute": 53}
